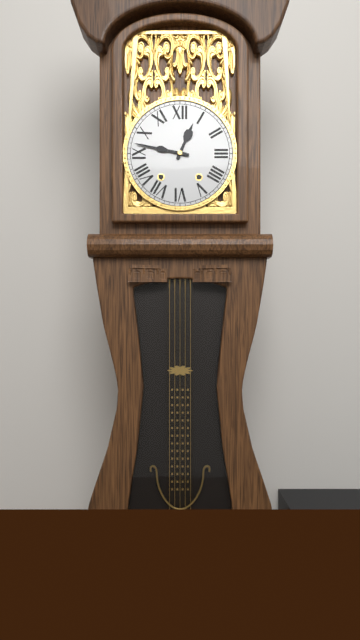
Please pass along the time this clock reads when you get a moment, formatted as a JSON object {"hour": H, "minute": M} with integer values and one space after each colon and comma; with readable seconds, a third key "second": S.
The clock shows {"hour": 12, "minute": 47}
